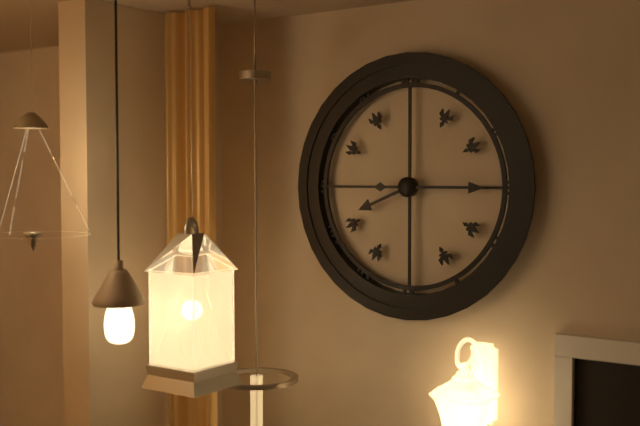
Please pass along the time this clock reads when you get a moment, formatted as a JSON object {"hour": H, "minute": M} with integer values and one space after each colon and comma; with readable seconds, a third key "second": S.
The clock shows {"hour": 8, "minute": 15}
